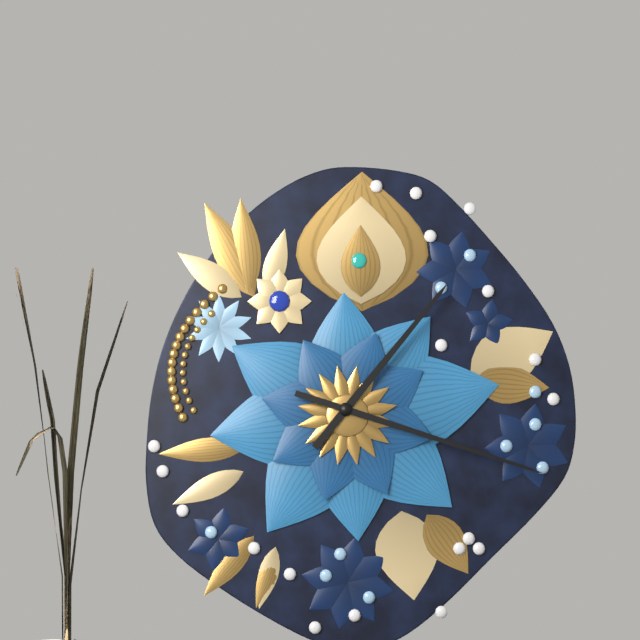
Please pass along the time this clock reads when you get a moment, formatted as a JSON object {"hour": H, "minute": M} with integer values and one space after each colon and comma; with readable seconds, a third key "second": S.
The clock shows {"hour": 1, "minute": 18}
